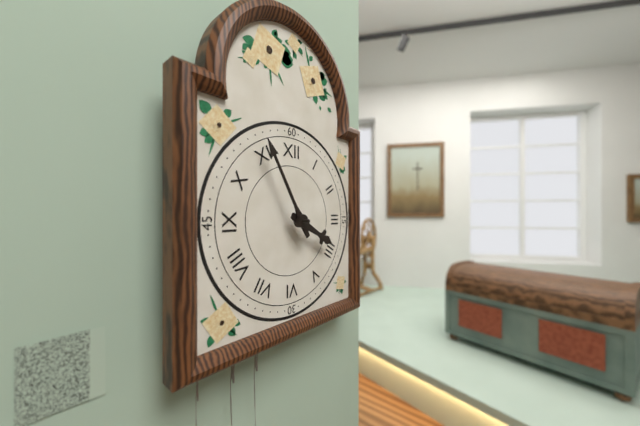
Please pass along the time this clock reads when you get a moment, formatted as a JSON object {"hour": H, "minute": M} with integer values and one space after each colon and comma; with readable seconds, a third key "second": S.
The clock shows {"hour": 3, "minute": 55}
